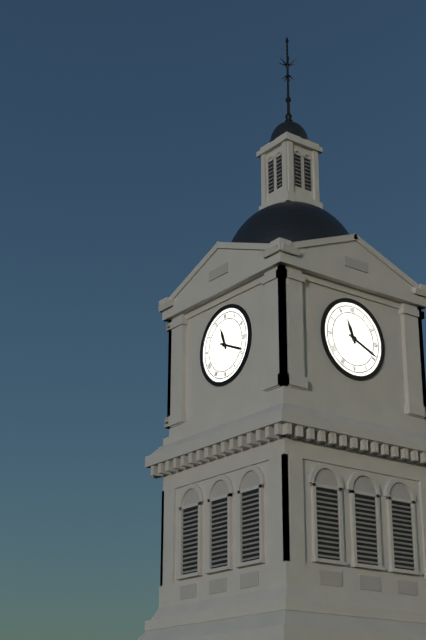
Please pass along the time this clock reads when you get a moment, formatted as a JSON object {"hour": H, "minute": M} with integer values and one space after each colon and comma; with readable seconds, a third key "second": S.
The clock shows {"hour": 11, "minute": 19}
